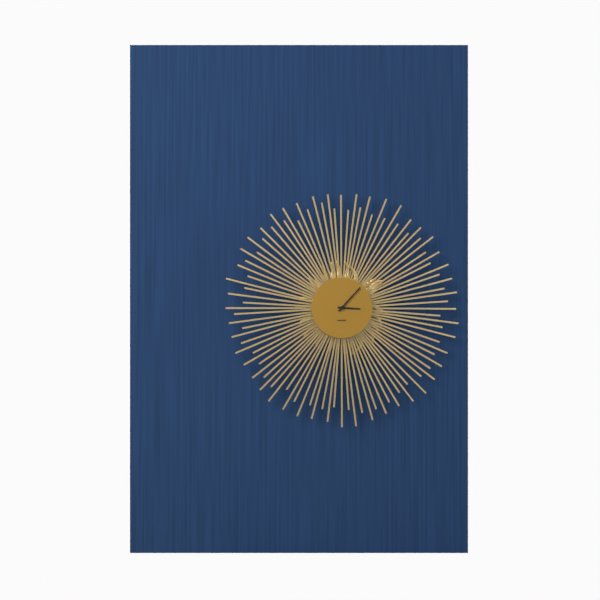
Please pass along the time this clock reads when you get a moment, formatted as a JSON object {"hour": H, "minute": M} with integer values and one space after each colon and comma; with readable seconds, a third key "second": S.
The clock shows {"hour": 3, "minute": 7}
